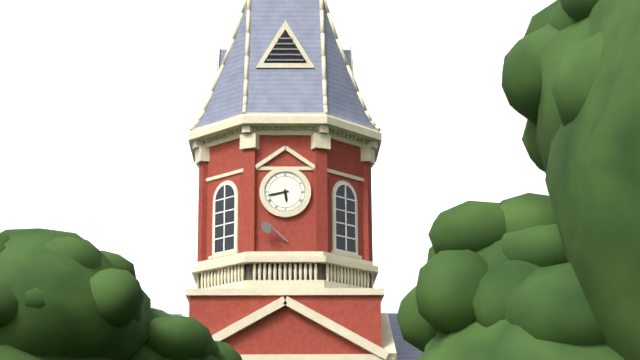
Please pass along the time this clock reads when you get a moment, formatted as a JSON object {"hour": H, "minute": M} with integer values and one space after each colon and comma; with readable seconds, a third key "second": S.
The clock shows {"hour": 5, "minute": 43}
